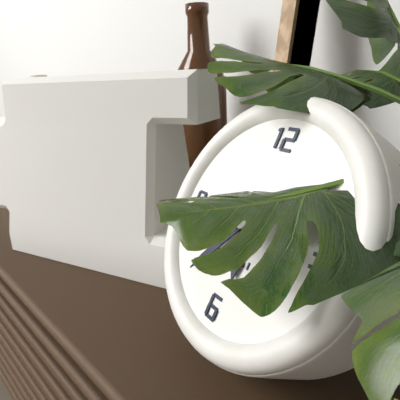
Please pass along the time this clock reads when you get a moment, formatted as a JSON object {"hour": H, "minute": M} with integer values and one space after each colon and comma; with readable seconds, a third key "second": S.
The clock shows {"hour": 5, "minute": 36}
